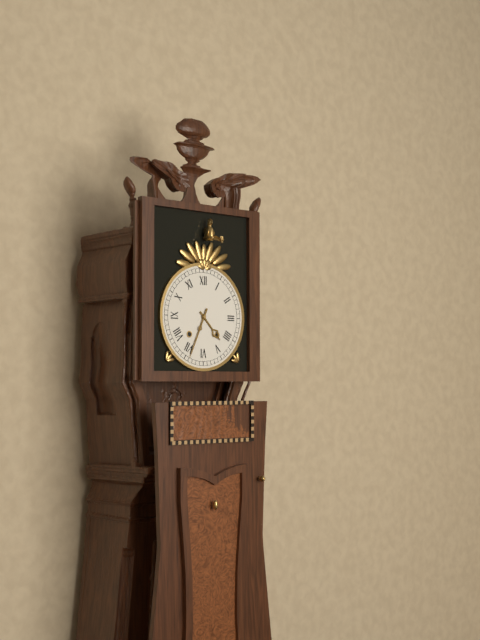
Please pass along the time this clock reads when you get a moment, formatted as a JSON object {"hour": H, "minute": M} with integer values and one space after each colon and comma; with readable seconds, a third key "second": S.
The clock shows {"hour": 4, "minute": 34}
